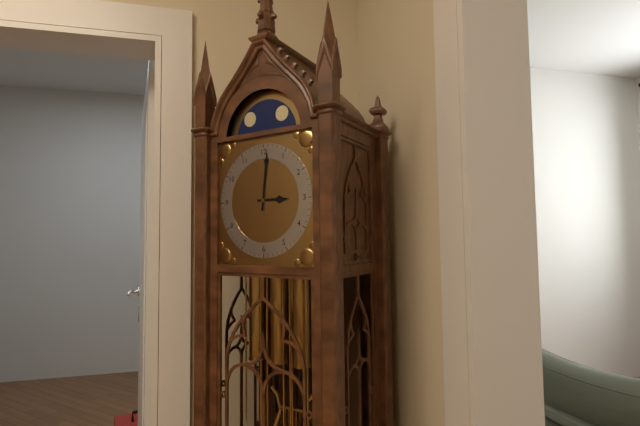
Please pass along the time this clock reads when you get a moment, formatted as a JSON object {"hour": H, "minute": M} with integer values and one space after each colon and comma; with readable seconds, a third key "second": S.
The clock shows {"hour": 3, "minute": 1}
